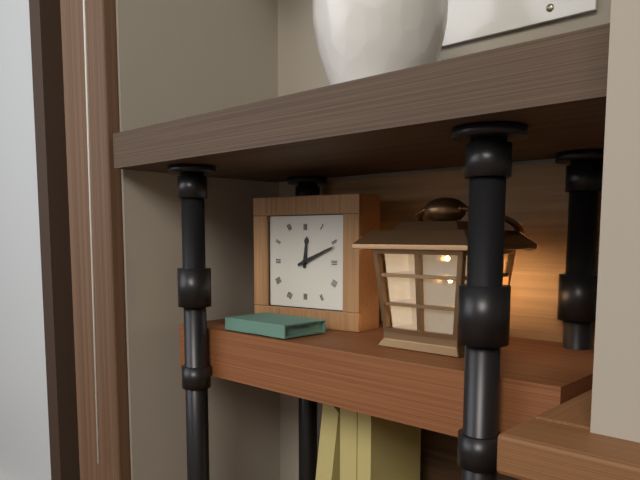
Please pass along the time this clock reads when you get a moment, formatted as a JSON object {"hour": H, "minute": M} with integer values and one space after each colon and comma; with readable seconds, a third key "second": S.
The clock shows {"hour": 12, "minute": 11}
